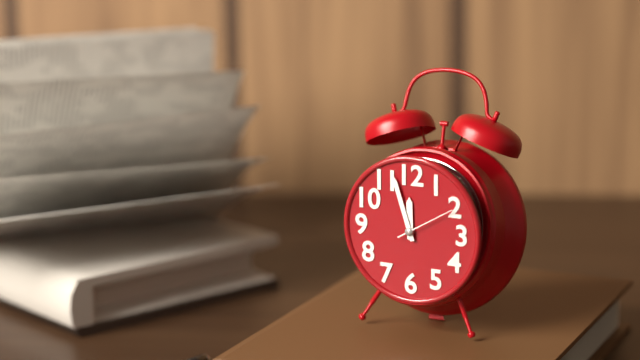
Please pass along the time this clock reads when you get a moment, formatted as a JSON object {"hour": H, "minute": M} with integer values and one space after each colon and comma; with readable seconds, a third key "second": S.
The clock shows {"hour": 11, "minute": 57, "second": 10}
